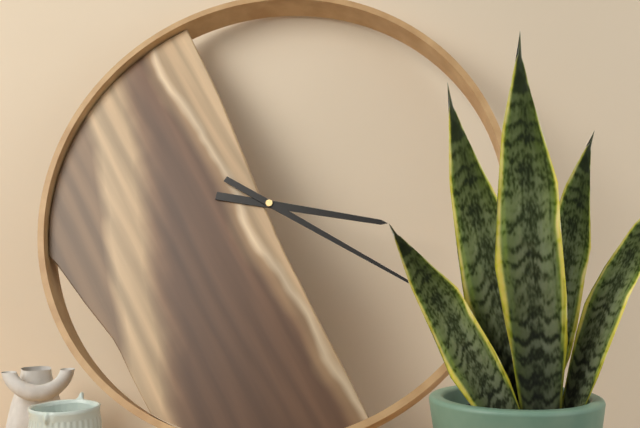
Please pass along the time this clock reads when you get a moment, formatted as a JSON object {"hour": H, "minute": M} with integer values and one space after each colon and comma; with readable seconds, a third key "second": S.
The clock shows {"hour": 3, "minute": 20}
